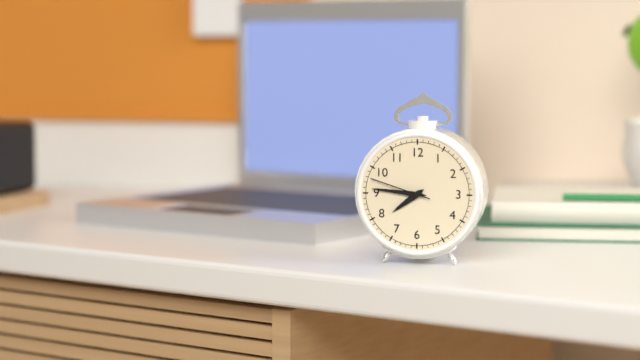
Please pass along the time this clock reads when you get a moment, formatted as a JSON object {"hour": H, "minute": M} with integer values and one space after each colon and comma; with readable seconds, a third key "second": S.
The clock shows {"hour": 7, "minute": 46, "second": 48}
